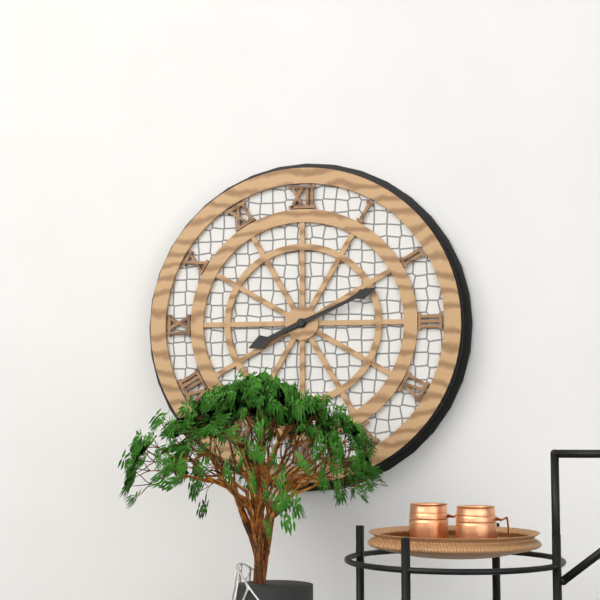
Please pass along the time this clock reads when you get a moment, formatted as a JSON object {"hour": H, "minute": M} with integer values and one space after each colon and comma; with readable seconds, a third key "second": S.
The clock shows {"hour": 8, "minute": 11}
